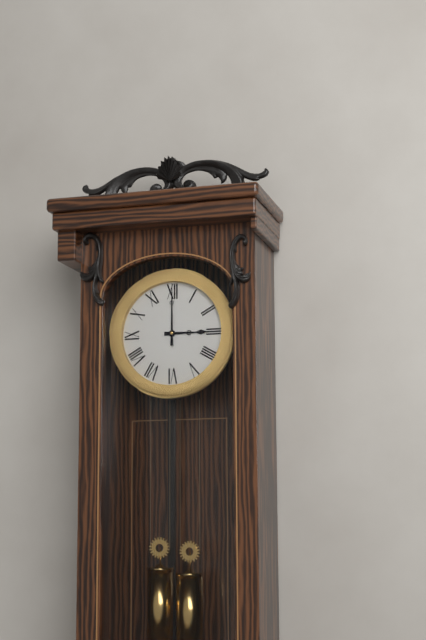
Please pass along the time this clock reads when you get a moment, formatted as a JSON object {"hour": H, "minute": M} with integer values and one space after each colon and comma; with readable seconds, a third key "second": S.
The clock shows {"hour": 3, "minute": 0}
